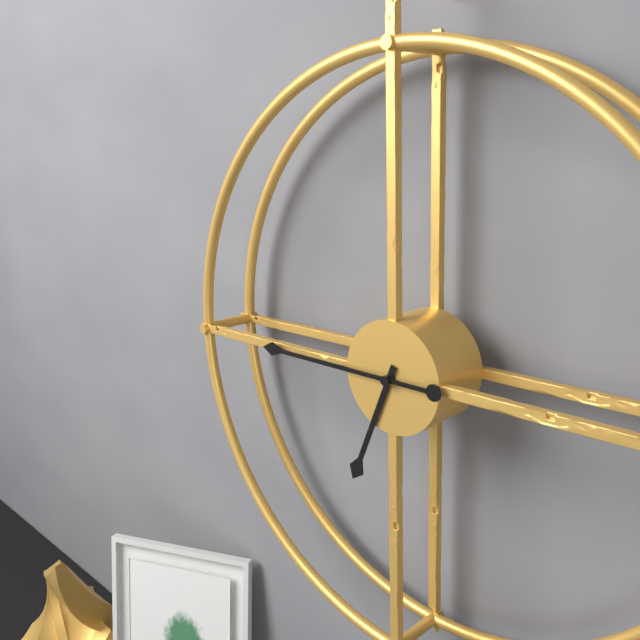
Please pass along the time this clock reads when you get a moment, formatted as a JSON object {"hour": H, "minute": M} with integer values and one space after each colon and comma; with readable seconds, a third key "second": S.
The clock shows {"hour": 6, "minute": 45}
